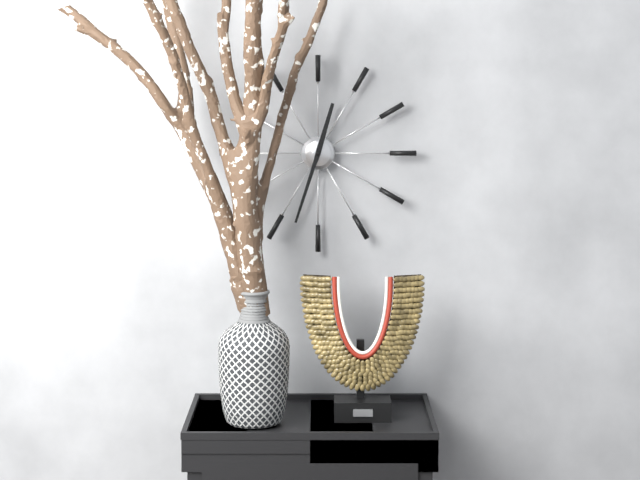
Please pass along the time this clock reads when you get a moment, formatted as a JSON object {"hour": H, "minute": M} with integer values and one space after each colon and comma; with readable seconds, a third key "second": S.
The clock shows {"hour": 12, "minute": 33}
